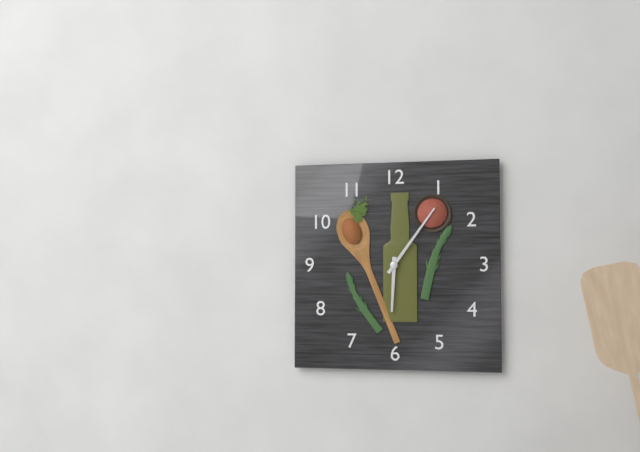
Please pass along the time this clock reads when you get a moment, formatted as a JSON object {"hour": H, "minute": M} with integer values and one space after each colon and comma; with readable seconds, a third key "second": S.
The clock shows {"hour": 6, "minute": 6}
